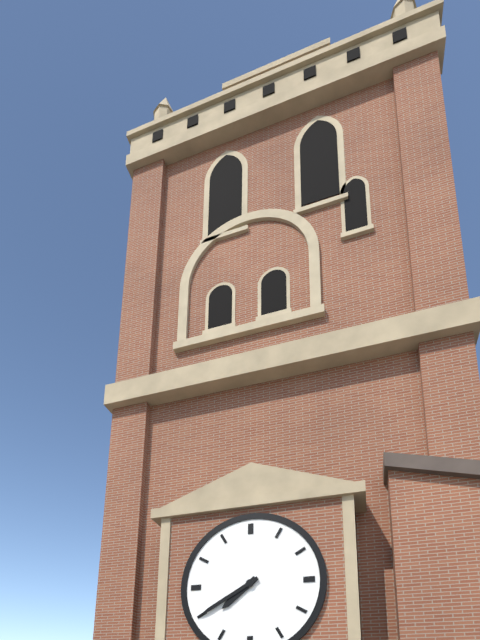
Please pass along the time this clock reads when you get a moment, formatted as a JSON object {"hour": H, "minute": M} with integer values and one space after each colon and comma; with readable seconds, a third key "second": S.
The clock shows {"hour": 7, "minute": 40}
